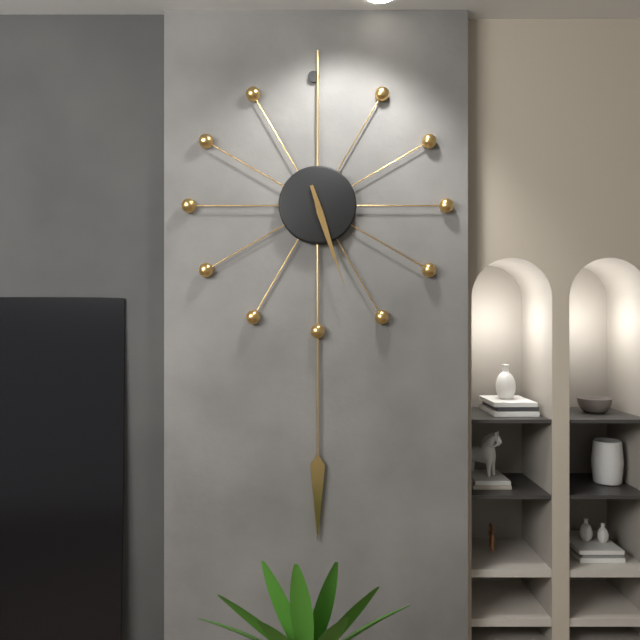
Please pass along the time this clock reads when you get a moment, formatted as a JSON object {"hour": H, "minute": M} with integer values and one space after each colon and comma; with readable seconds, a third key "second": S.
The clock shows {"hour": 5, "minute": 27}
